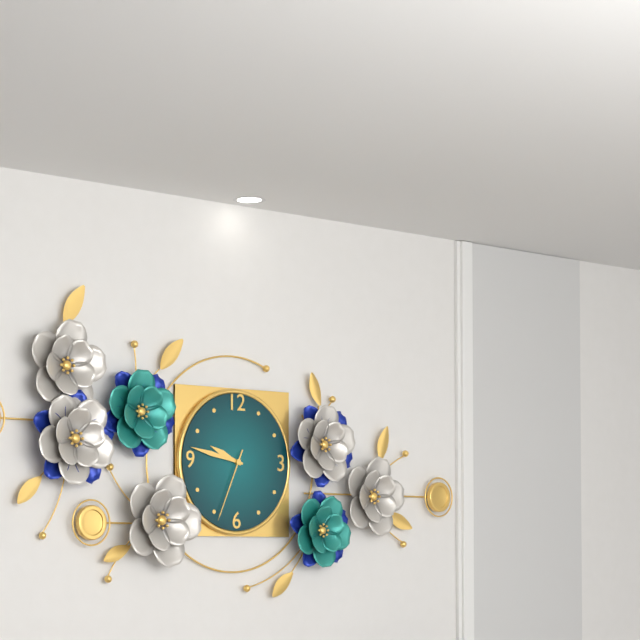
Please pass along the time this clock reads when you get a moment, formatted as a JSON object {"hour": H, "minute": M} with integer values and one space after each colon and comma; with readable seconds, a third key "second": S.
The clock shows {"hour": 9, "minute": 47, "second": 34}
